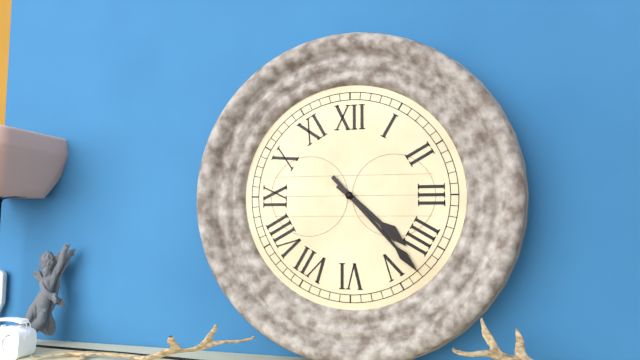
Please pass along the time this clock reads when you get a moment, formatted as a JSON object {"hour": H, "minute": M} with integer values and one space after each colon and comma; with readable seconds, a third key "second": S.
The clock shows {"hour": 4, "minute": 23}
